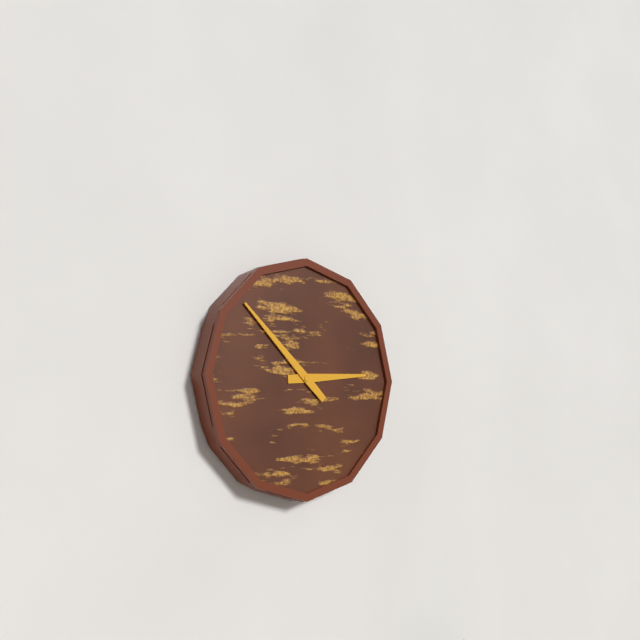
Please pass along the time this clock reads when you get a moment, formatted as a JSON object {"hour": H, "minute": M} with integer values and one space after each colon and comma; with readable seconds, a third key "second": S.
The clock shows {"hour": 2, "minute": 52}
